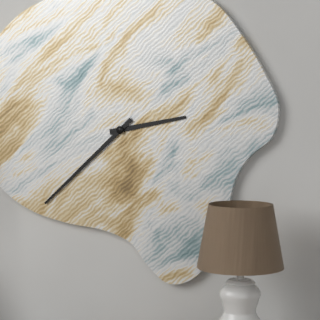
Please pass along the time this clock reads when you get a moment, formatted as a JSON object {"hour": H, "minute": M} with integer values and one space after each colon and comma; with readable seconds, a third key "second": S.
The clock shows {"hour": 2, "minute": 38}
